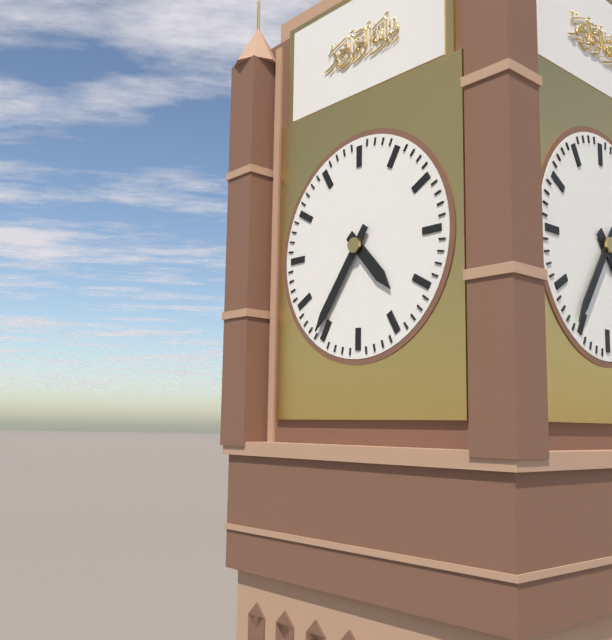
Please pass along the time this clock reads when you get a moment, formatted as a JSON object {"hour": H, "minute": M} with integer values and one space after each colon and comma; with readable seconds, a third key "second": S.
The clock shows {"hour": 4, "minute": 36}
